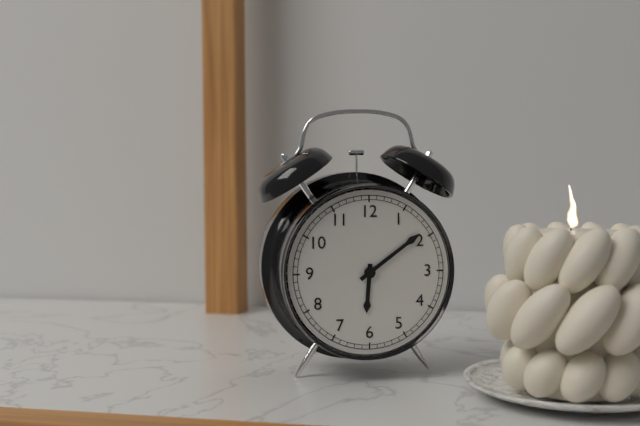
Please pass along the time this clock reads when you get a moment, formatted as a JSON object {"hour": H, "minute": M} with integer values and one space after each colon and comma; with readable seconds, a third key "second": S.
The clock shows {"hour": 6, "minute": 9}
